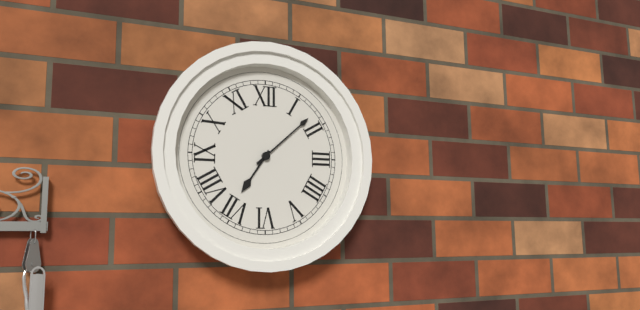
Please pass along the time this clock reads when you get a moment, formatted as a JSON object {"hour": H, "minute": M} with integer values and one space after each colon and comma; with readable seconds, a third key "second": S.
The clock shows {"hour": 7, "minute": 8}
